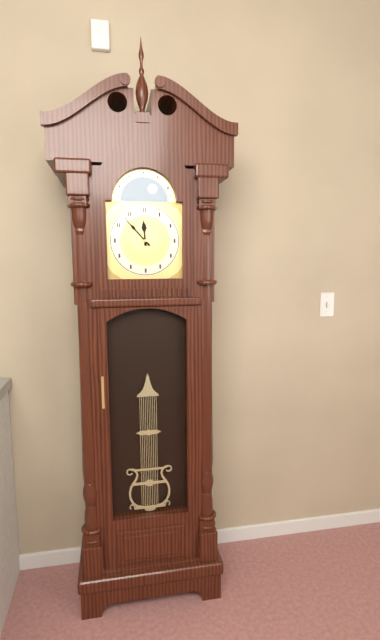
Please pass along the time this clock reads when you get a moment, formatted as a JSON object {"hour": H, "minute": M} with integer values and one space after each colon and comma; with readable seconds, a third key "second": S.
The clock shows {"hour": 11, "minute": 53}
